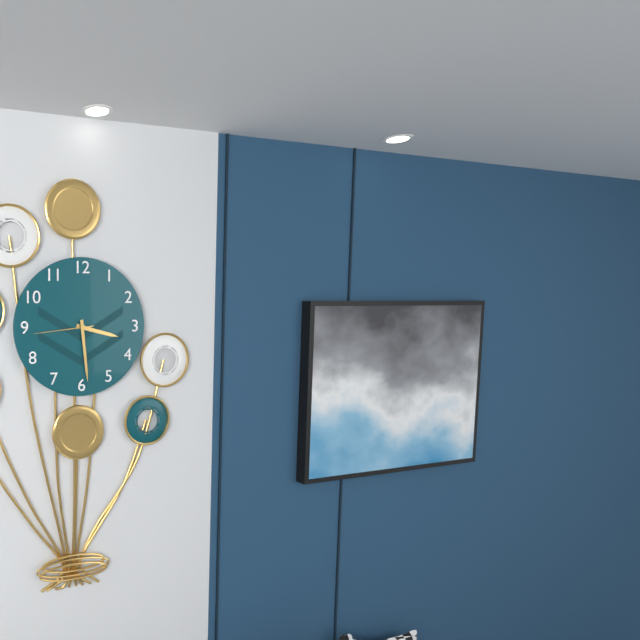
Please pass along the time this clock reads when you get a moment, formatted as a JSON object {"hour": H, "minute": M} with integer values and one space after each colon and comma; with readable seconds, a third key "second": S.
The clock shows {"hour": 3, "minute": 29, "second": 44}
